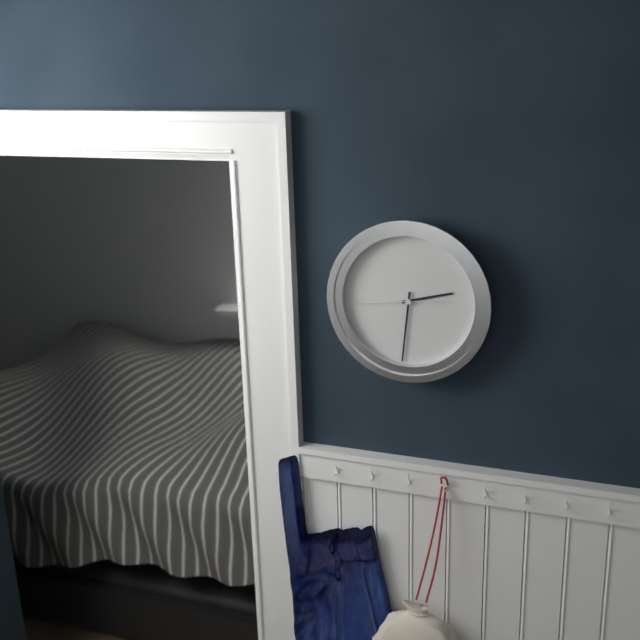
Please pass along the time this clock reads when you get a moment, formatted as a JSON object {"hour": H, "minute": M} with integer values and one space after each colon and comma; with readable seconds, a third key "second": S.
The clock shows {"hour": 2, "minute": 31, "second": 44}
